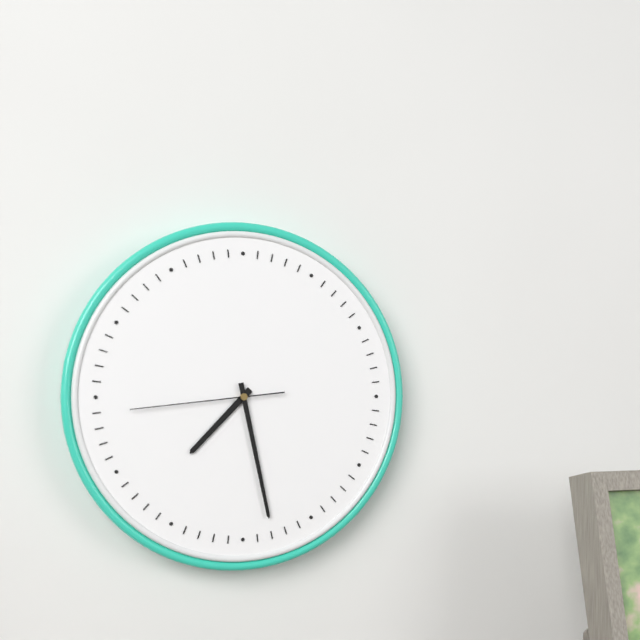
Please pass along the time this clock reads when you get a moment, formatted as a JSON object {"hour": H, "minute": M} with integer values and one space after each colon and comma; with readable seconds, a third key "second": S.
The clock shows {"hour": 7, "minute": 28, "second": 44}
